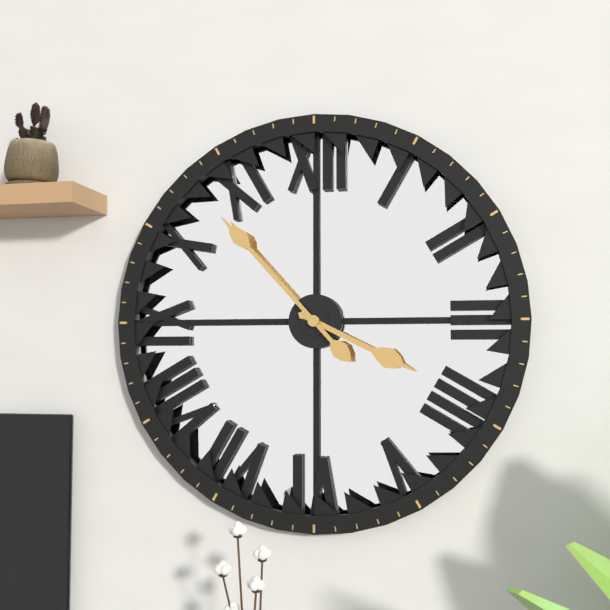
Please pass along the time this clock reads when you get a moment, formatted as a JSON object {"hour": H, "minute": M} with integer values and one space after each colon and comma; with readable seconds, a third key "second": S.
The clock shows {"hour": 3, "minute": 53}
